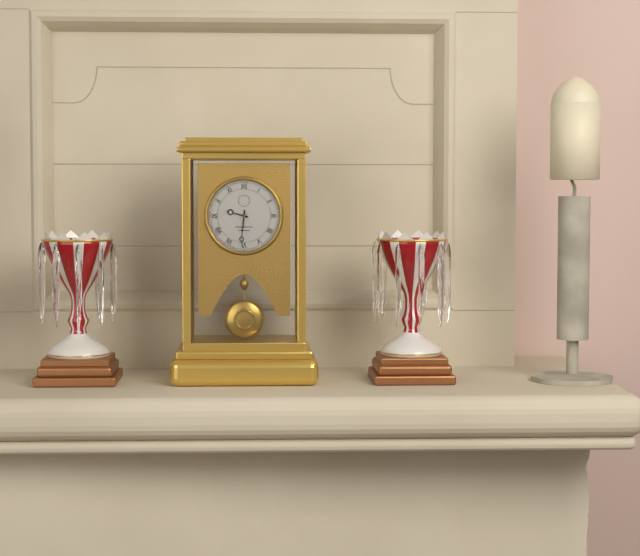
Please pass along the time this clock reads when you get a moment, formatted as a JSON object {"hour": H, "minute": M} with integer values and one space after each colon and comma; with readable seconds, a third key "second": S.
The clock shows {"hour": 9, "minute": 31}
